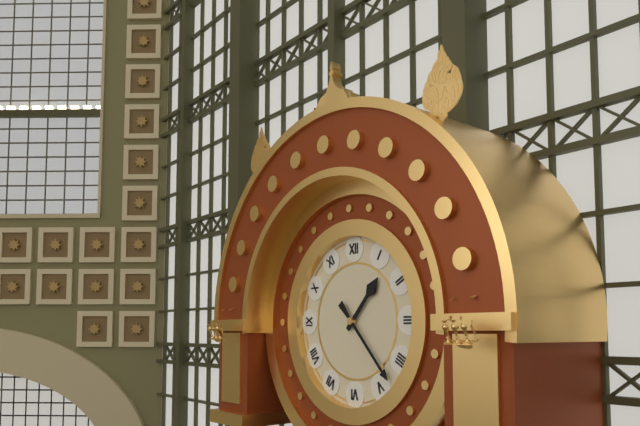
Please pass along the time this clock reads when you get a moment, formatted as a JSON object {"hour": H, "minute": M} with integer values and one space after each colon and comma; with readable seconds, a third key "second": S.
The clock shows {"hour": 1, "minute": 23}
